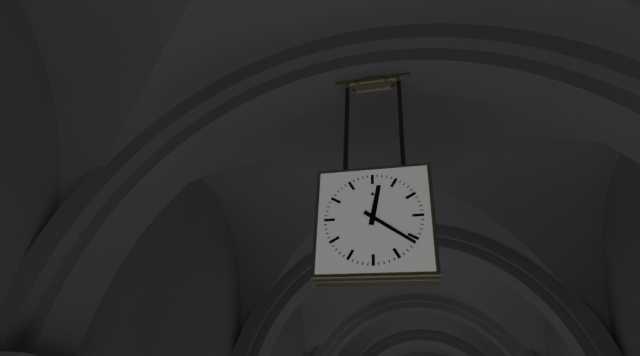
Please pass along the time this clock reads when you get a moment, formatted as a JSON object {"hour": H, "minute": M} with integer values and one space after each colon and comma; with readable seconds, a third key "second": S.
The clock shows {"hour": 12, "minute": 21}
